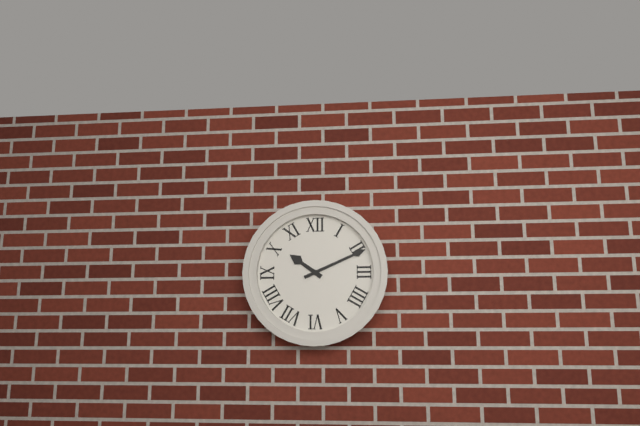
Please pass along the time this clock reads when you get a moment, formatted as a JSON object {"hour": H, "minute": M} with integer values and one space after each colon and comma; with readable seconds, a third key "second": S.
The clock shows {"hour": 10, "minute": 11}
